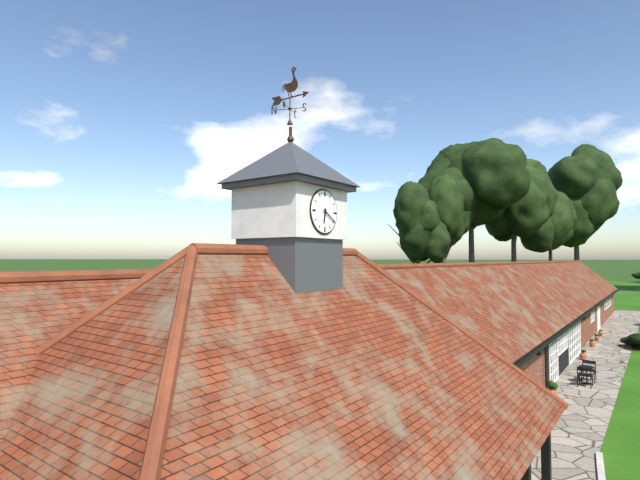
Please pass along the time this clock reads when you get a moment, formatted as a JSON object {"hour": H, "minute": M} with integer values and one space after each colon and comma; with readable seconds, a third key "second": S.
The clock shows {"hour": 6, "minute": 20}
